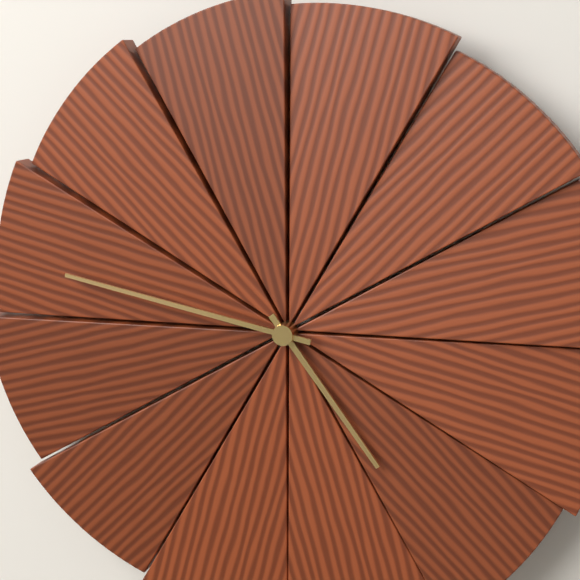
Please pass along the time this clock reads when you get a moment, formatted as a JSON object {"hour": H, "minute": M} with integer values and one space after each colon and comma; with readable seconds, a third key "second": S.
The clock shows {"hour": 4, "minute": 47}
